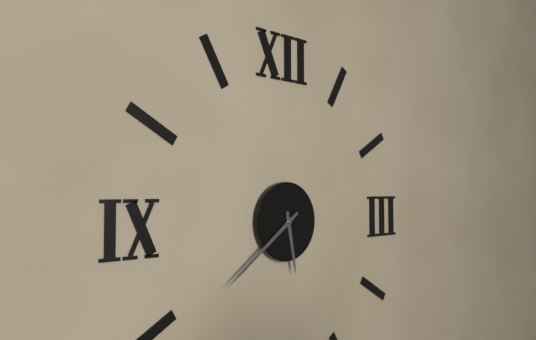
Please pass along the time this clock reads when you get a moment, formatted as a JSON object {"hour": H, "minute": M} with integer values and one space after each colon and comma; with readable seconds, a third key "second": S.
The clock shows {"hour": 5, "minute": 39}
